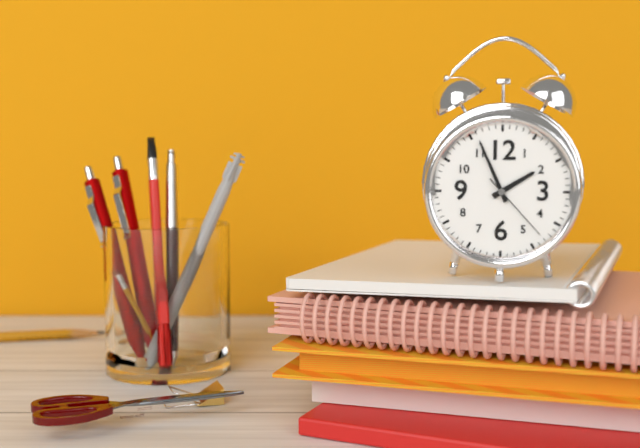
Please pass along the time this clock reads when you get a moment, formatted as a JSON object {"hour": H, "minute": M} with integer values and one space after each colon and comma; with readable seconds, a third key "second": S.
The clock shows {"hour": 1, "minute": 56, "second": 23}
